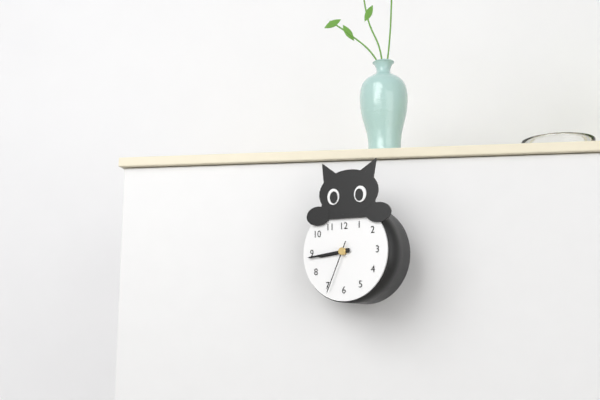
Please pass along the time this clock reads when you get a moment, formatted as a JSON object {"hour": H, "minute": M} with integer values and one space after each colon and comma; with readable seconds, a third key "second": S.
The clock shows {"hour": 8, "minute": 44, "second": 34}
